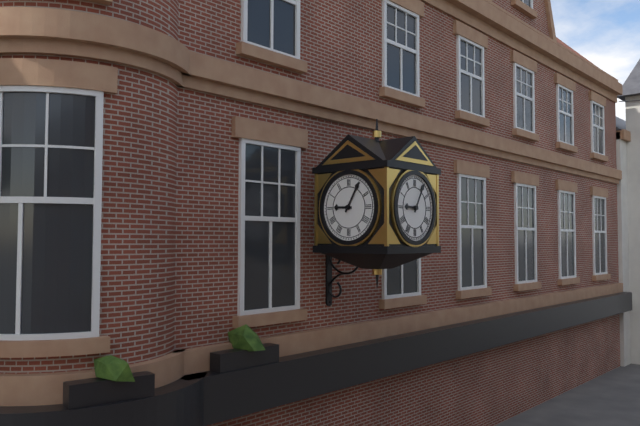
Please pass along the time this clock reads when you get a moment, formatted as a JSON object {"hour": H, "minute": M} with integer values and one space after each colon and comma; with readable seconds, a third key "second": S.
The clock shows {"hour": 9, "minute": 5}
